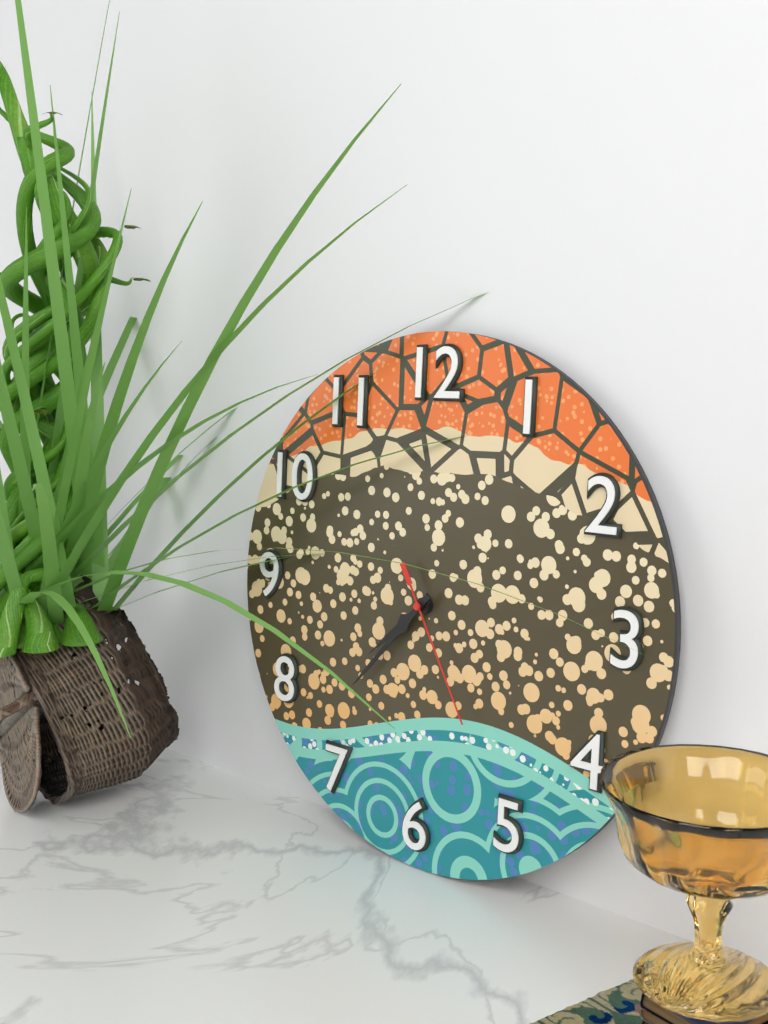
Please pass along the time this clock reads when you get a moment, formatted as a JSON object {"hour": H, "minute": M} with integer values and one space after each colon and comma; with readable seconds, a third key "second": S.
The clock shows {"hour": 7, "minute": 37, "second": 25}
